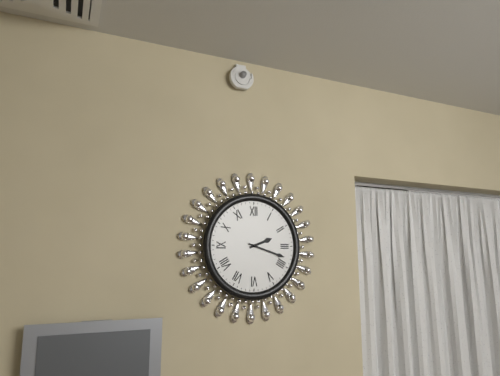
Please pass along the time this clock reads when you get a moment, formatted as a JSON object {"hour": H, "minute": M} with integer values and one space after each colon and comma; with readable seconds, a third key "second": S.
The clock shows {"hour": 2, "minute": 18}
